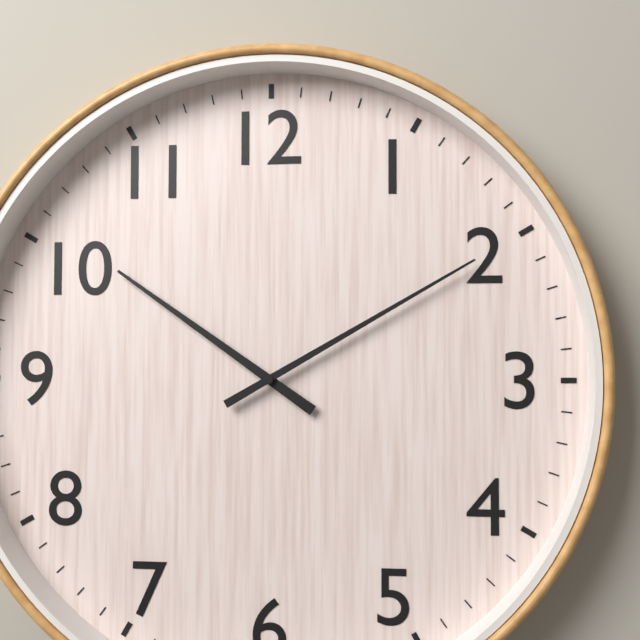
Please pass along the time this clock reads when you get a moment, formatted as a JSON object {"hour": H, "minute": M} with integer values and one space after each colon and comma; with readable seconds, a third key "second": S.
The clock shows {"hour": 10, "minute": 10}
